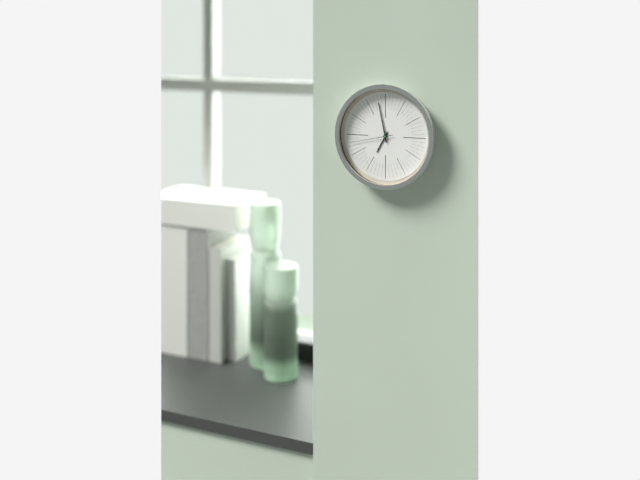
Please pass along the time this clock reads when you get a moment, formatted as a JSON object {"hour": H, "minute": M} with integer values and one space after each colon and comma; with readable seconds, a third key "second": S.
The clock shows {"hour": 6, "minute": 58}
